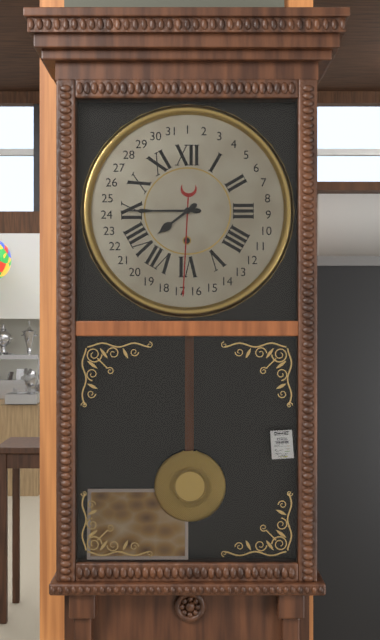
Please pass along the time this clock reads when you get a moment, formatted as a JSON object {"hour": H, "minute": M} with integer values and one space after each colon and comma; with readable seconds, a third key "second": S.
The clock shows {"hour": 7, "minute": 45}
